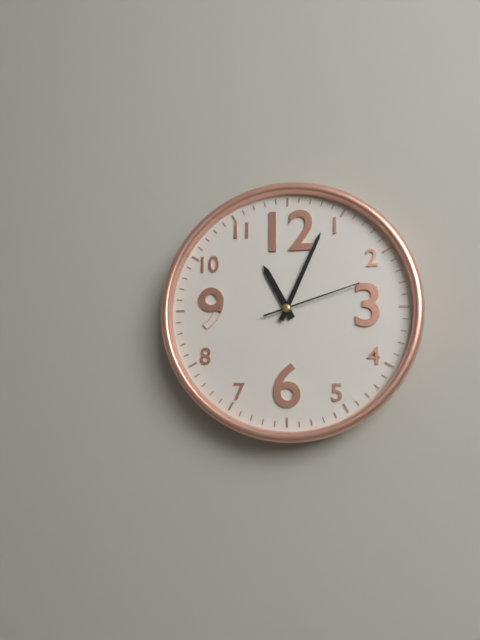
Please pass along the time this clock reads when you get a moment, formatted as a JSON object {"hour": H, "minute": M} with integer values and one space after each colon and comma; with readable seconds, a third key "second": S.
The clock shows {"hour": 11, "minute": 4, "second": 12}
